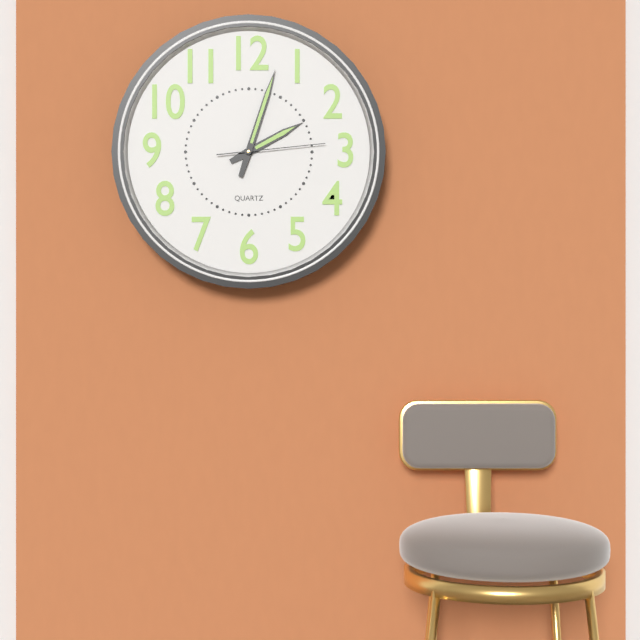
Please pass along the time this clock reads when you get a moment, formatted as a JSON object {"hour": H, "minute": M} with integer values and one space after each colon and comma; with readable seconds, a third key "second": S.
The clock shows {"hour": 2, "minute": 3, "second": 14}
